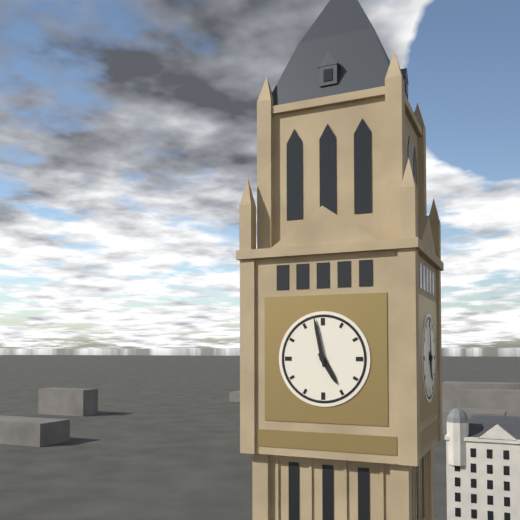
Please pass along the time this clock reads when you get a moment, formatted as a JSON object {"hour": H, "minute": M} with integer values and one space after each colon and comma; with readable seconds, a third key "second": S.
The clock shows {"hour": 4, "minute": 58}
